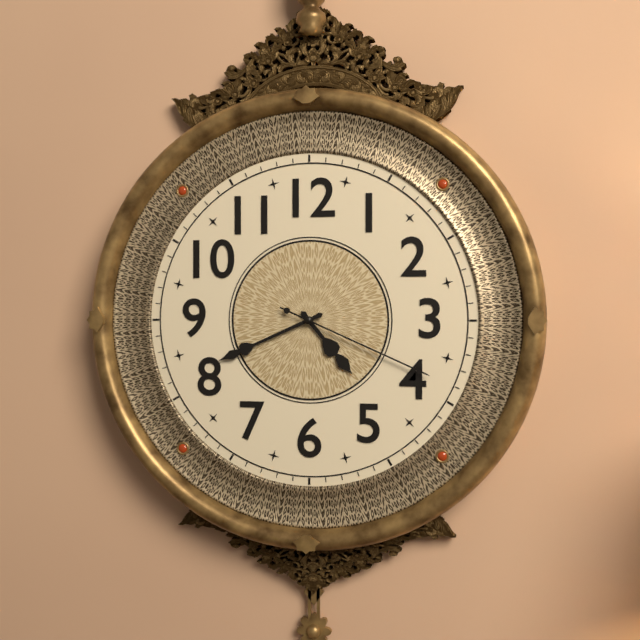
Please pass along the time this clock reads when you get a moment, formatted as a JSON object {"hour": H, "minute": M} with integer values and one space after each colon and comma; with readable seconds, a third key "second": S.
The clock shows {"hour": 4, "minute": 41, "second": 19}
